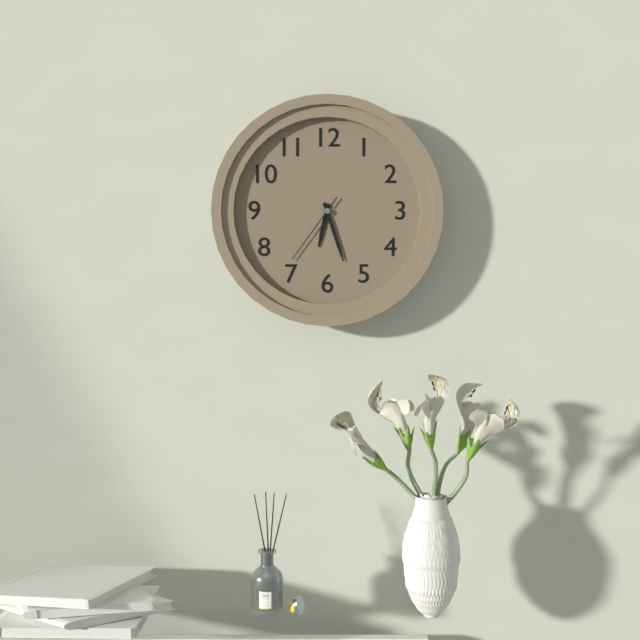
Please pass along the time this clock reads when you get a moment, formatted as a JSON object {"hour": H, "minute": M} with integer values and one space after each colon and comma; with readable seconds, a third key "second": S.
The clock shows {"hour": 6, "minute": 27, "second": 36}
